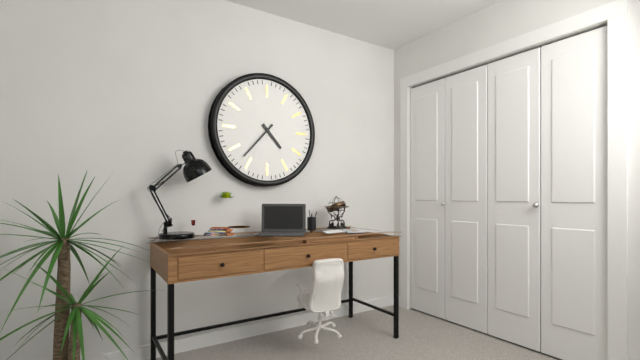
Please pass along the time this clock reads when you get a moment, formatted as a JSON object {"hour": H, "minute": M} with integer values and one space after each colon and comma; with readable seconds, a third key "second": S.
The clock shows {"hour": 4, "minute": 37}
